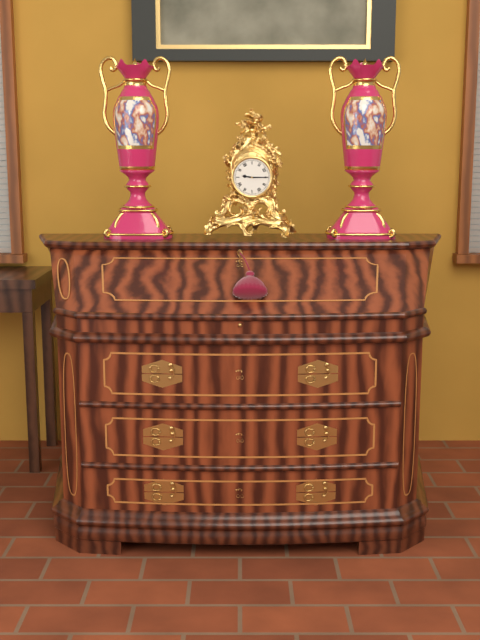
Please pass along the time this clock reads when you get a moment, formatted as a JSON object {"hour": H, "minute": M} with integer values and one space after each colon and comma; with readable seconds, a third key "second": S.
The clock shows {"hour": 9, "minute": 15}
